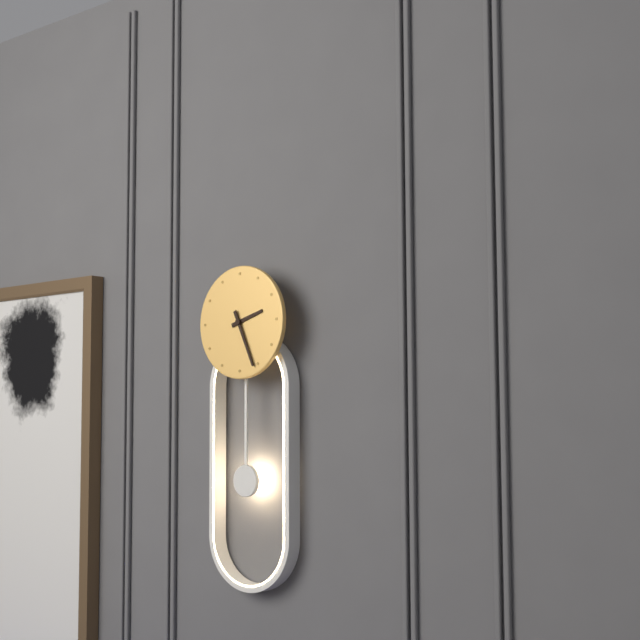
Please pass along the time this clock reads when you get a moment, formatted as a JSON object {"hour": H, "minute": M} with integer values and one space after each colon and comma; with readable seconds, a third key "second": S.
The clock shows {"hour": 2, "minute": 26}
